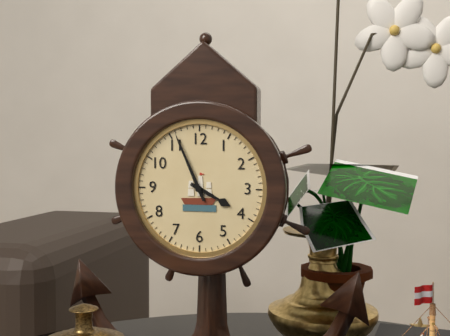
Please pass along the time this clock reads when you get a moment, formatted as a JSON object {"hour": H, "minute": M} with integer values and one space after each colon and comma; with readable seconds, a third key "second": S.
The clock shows {"hour": 3, "minute": 56}
